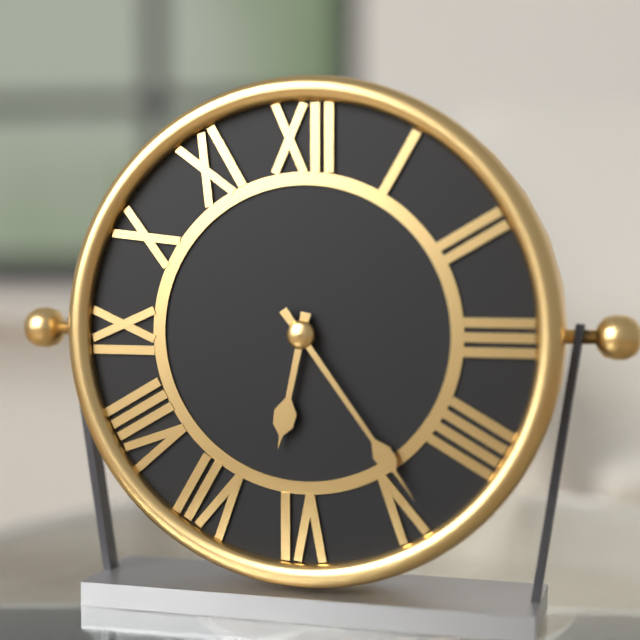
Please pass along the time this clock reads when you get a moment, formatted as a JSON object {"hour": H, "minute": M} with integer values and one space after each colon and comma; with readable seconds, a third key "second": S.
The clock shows {"hour": 6, "minute": 24}
